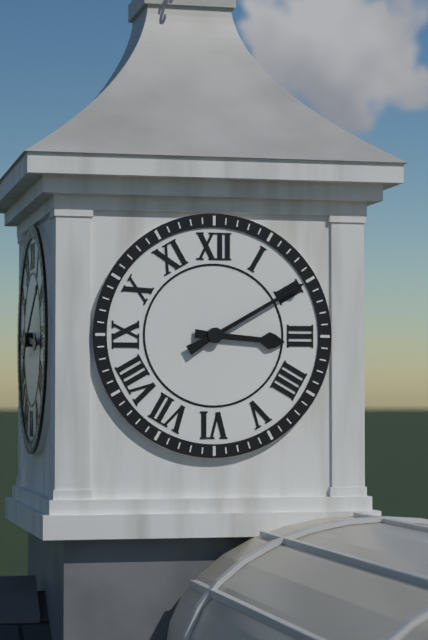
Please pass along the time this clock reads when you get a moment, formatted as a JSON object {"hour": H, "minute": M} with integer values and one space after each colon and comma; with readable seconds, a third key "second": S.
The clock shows {"hour": 3, "minute": 10}
